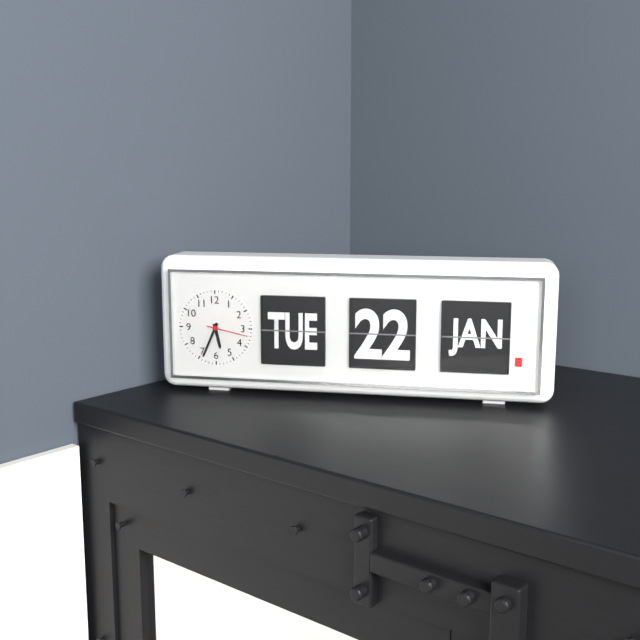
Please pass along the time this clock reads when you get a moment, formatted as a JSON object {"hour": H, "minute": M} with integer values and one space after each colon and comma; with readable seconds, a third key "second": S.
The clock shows {"hour": 5, "minute": 34}
